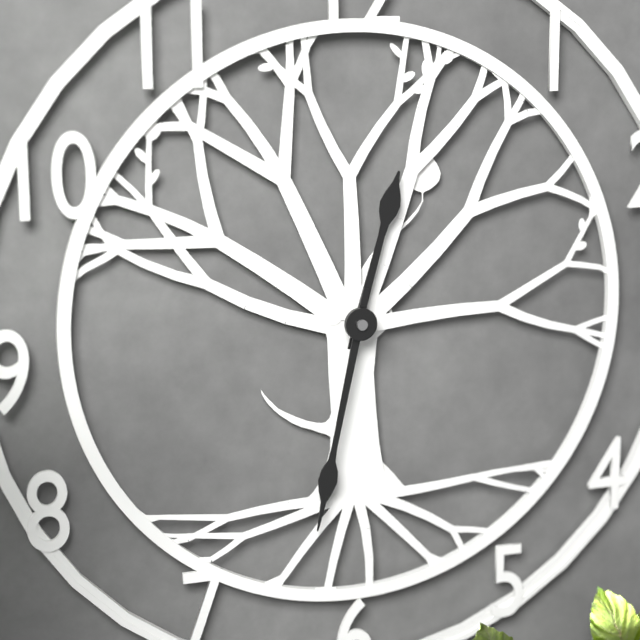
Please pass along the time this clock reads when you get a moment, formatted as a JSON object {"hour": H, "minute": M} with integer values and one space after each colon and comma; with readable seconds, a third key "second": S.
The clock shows {"hour": 12, "minute": 32}
